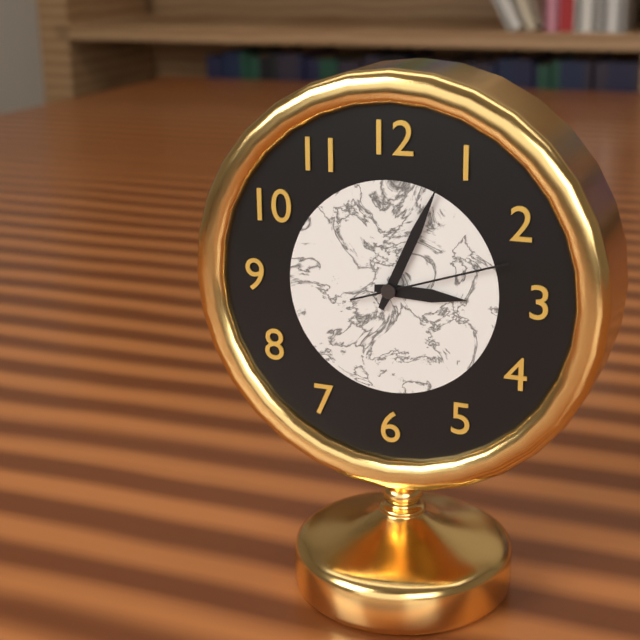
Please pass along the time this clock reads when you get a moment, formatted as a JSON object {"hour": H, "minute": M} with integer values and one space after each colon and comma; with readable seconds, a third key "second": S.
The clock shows {"hour": 3, "minute": 4, "second": 12}
